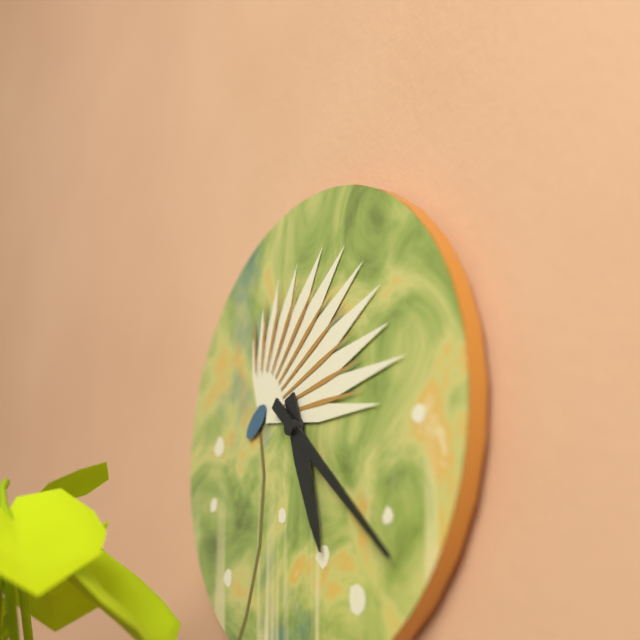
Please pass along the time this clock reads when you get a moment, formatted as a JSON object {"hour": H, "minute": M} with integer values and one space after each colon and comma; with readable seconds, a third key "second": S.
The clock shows {"hour": 5, "minute": 22}
